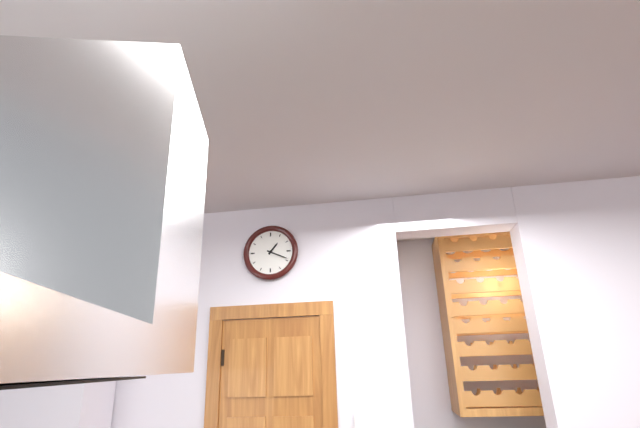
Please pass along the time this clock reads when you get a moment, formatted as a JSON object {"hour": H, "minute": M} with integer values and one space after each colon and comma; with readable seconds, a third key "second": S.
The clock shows {"hour": 1, "minute": 19}
